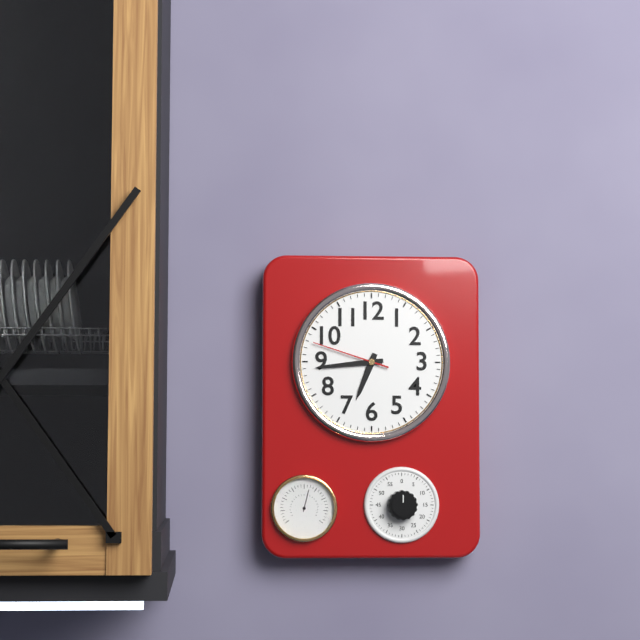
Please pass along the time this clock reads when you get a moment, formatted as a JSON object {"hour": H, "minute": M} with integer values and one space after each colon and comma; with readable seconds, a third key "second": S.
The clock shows {"hour": 6, "minute": 44, "second": 48}
